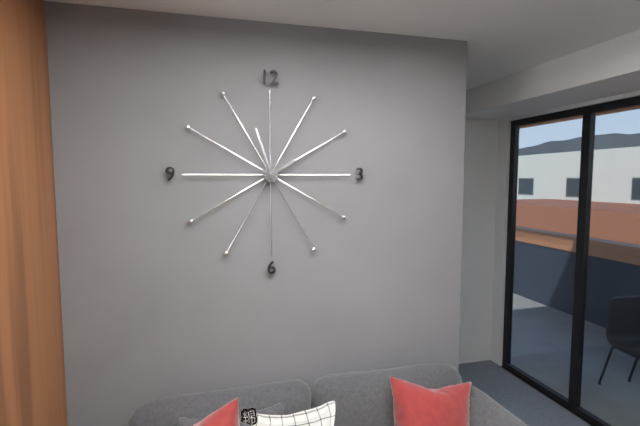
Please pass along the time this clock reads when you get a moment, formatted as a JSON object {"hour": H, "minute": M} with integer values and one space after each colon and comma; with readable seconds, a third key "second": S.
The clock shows {"hour": 1, "minute": 57}
